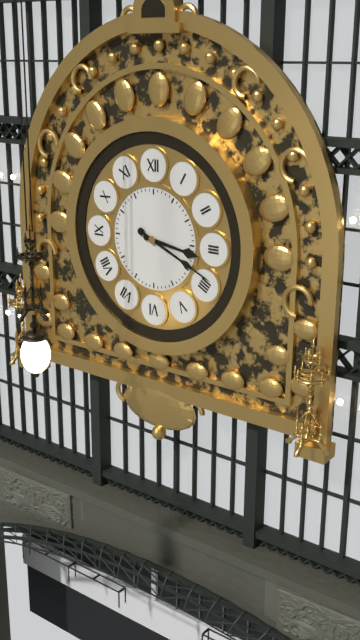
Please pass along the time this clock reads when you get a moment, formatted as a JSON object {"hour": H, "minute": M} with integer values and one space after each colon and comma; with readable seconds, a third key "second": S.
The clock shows {"hour": 3, "minute": 19}
